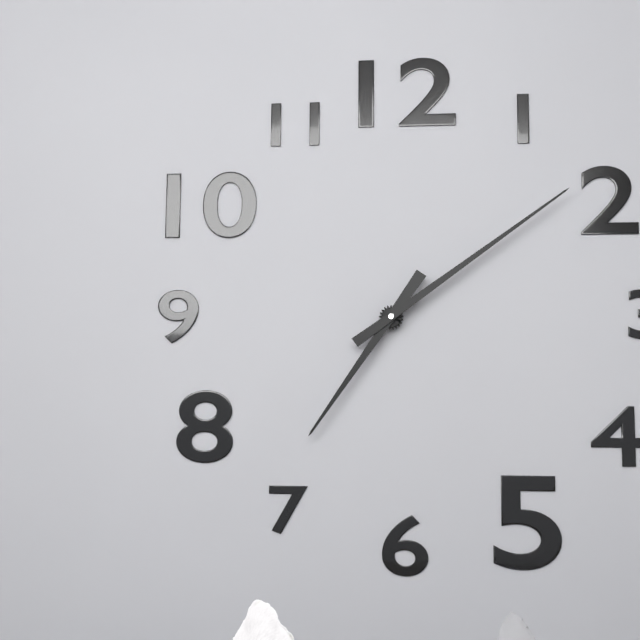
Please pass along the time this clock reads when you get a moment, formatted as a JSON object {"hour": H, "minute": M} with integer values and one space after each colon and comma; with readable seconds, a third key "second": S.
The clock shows {"hour": 7, "minute": 9}
